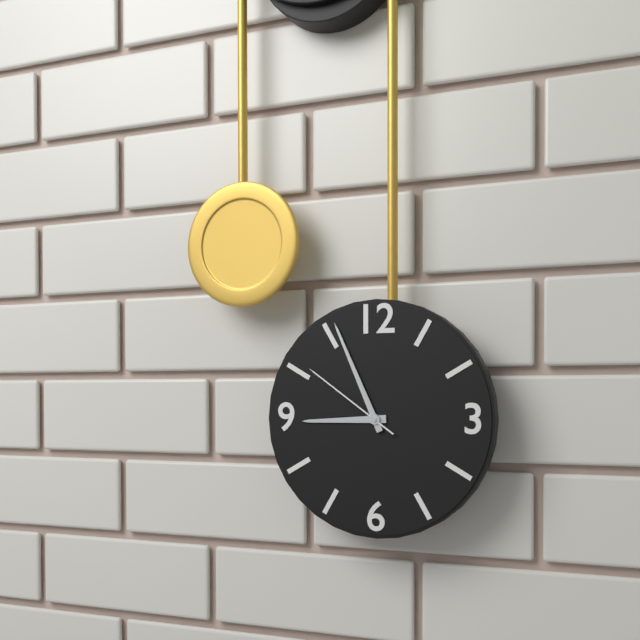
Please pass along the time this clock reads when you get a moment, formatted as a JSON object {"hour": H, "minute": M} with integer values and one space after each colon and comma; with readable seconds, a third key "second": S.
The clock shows {"hour": 8, "minute": 56, "second": 51}
